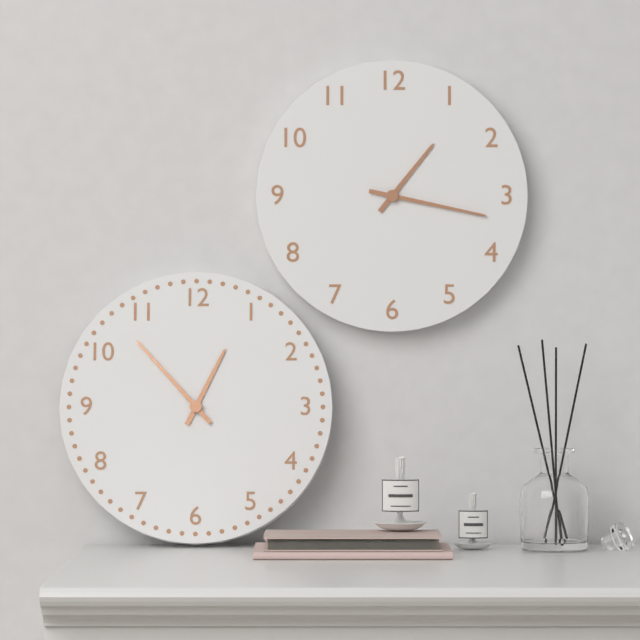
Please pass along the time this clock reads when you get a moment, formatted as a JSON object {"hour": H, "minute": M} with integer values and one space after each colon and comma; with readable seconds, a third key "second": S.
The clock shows {"hour": 1, "minute": 17}
